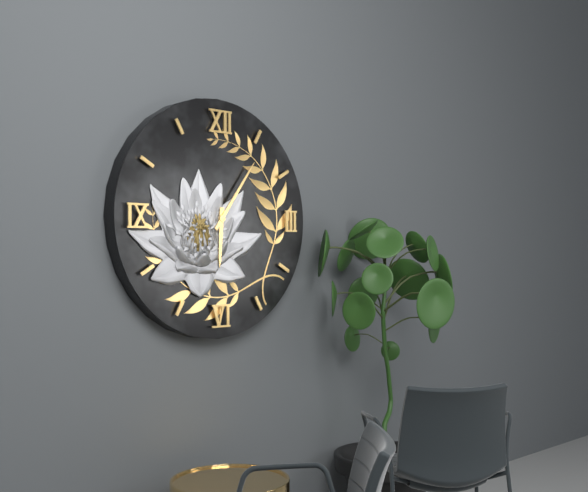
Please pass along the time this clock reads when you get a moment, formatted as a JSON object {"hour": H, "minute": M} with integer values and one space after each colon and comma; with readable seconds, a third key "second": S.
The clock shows {"hour": 6, "minute": 6}
